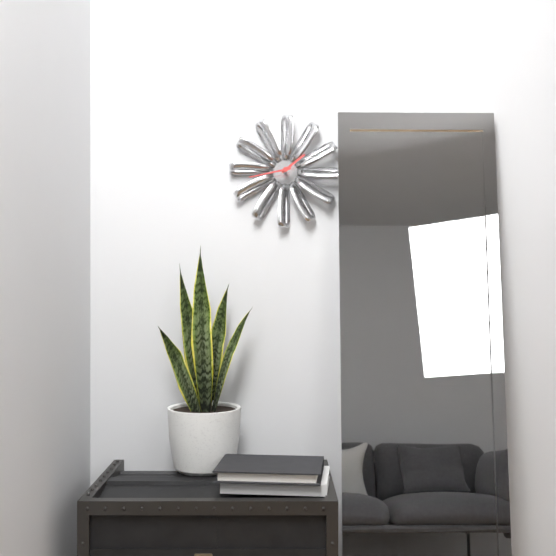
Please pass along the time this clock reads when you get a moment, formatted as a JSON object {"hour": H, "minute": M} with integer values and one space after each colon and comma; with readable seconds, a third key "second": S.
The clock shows {"hour": 1, "minute": 43}
